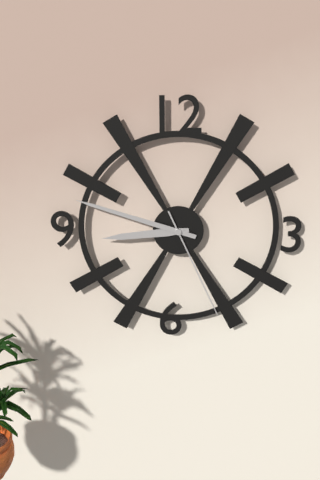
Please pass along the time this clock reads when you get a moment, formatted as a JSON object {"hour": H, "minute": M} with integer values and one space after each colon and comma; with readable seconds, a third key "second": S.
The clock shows {"hour": 8, "minute": 48, "second": 26}
